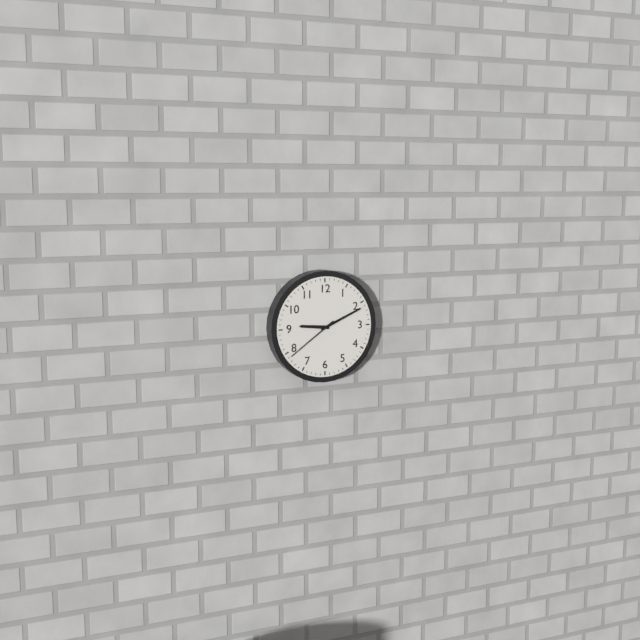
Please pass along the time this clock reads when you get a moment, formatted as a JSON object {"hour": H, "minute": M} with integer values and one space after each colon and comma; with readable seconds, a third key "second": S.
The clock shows {"hour": 9, "minute": 11, "second": 39}
